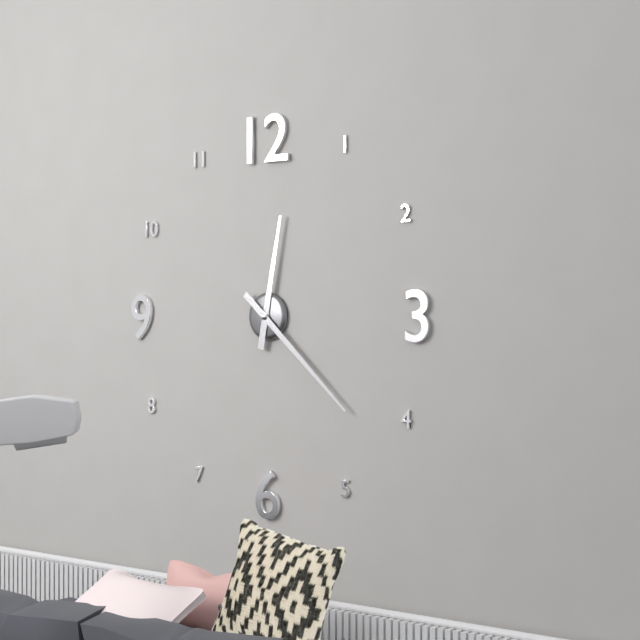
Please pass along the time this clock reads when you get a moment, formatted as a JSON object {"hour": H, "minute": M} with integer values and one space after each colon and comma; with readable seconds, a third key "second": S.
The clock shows {"hour": 12, "minute": 22}
